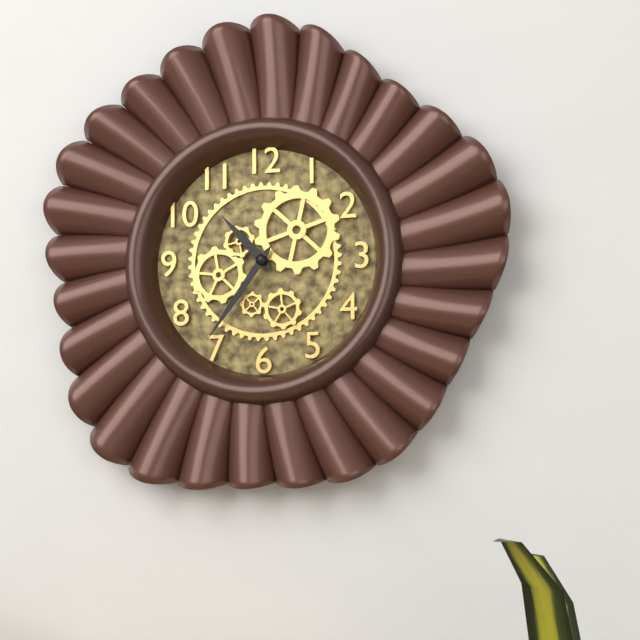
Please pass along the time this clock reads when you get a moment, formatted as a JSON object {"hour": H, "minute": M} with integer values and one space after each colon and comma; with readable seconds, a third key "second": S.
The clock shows {"hour": 10, "minute": 36}
